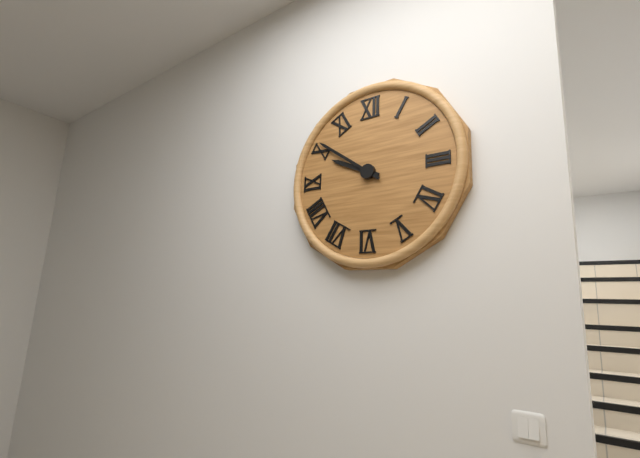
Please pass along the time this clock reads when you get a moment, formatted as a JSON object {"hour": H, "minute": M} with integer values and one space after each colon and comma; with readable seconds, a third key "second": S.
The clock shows {"hour": 9, "minute": 51}
